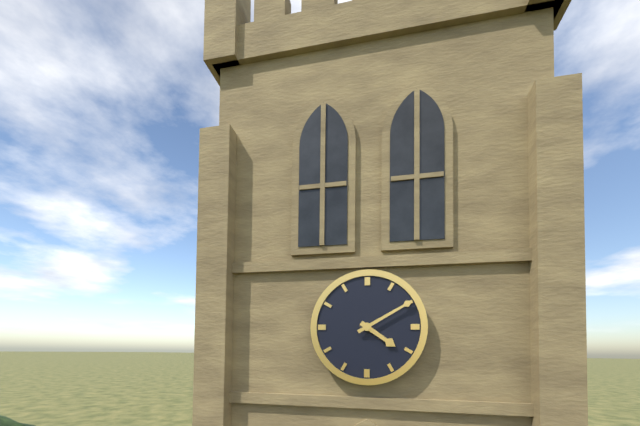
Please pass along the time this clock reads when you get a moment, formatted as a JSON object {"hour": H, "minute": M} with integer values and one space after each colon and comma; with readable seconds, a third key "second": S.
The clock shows {"hour": 4, "minute": 10}
